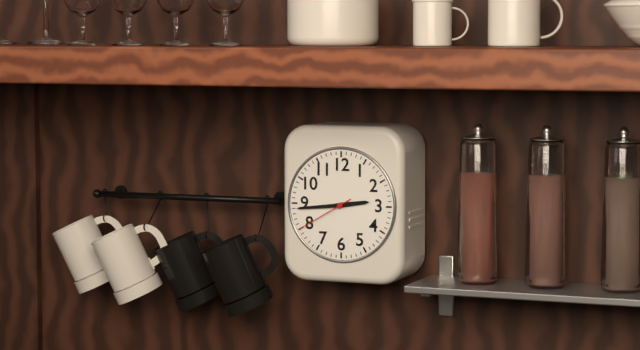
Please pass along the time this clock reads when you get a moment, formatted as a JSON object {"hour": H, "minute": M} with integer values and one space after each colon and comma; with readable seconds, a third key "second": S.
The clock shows {"hour": 2, "minute": 44, "second": 40}
